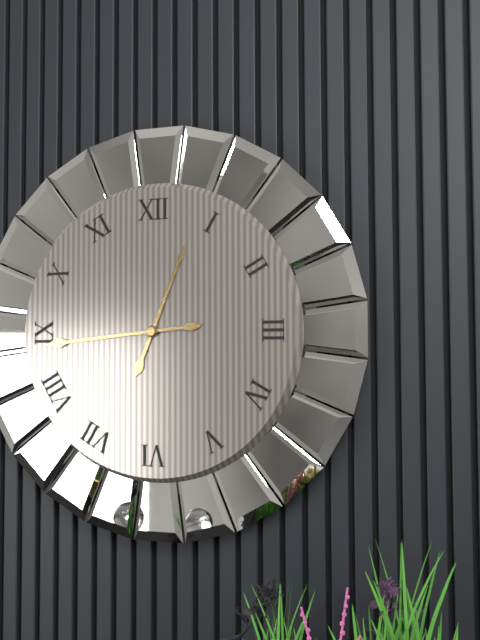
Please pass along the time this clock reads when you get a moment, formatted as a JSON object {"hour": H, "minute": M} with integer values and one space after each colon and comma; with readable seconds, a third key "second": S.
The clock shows {"hour": 12, "minute": 44}
